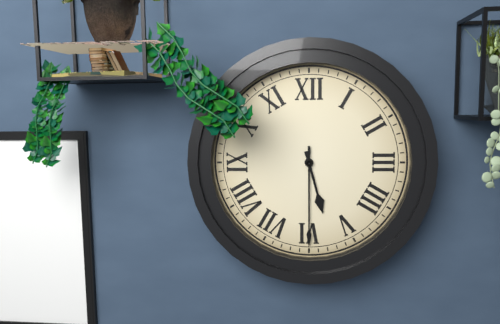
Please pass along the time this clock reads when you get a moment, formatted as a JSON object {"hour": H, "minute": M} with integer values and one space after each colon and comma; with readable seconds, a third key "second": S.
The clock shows {"hour": 5, "minute": 30}
